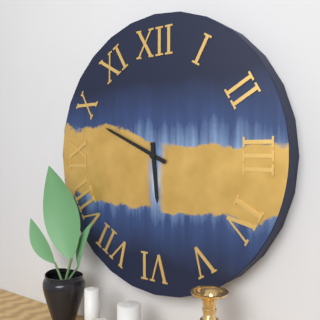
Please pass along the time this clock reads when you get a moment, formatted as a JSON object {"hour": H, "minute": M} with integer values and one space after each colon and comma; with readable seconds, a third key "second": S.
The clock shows {"hour": 5, "minute": 49}
